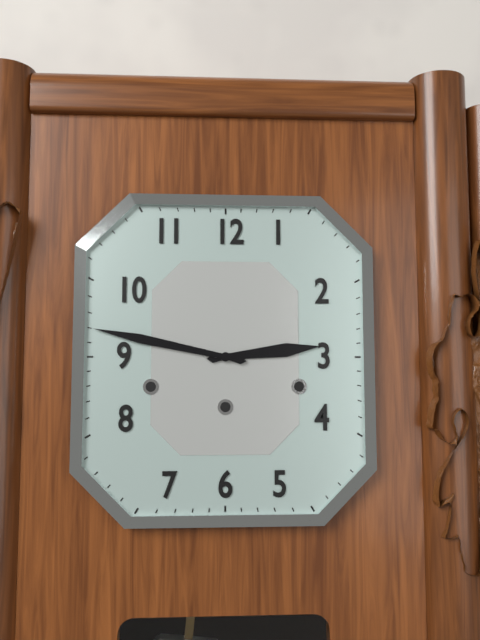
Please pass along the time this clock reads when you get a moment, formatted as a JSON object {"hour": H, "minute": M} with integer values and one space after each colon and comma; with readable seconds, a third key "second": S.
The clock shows {"hour": 2, "minute": 47}
